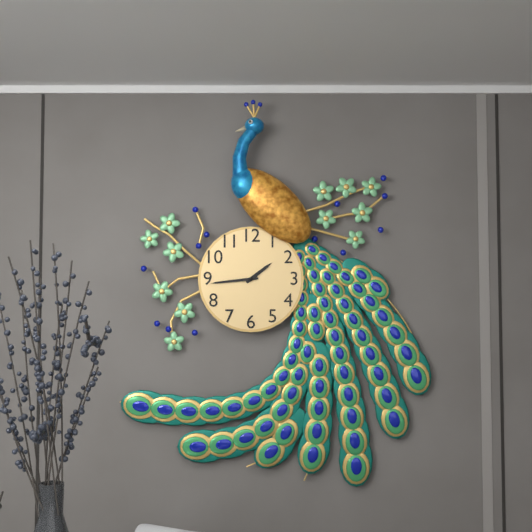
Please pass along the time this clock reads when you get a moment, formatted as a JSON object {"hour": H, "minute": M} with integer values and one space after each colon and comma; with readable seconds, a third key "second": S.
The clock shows {"hour": 1, "minute": 44}
